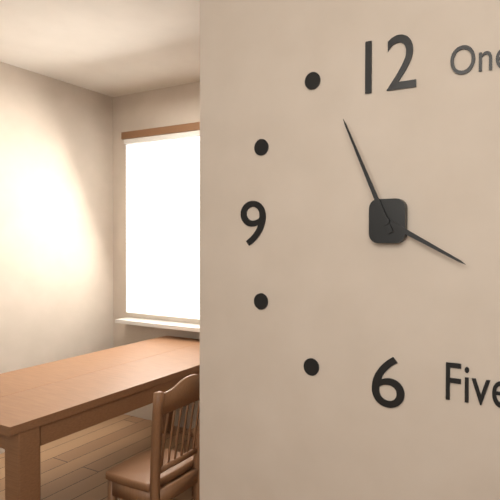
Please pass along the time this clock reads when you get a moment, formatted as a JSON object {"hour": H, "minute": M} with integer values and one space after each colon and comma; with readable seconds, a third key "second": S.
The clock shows {"hour": 3, "minute": 56}
